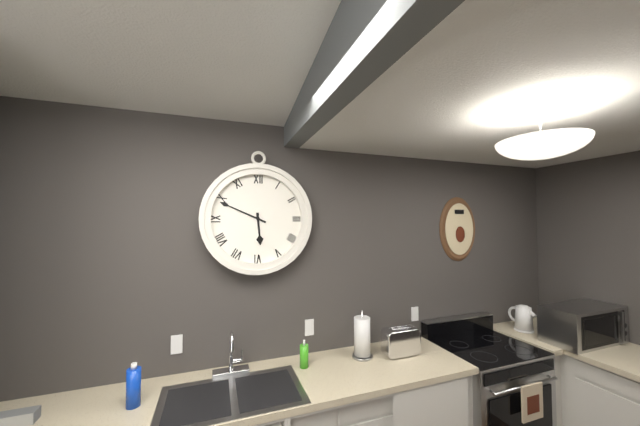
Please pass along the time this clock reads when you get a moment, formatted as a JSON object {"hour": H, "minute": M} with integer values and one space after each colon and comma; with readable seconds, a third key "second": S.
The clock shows {"hour": 5, "minute": 49}
